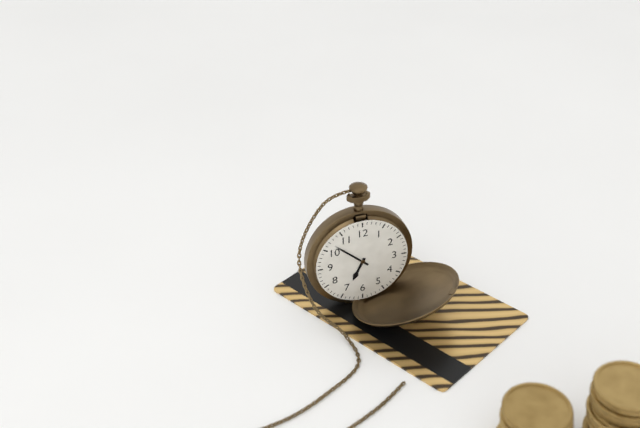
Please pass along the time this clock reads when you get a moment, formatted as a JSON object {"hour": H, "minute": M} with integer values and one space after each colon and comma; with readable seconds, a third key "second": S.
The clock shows {"hour": 6, "minute": 52}
